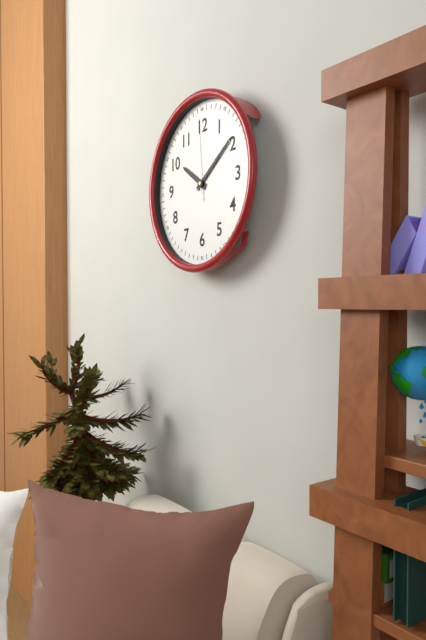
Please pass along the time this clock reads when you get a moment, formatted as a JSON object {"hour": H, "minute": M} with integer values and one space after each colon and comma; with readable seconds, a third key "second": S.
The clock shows {"hour": 10, "minute": 9, "second": 59}
